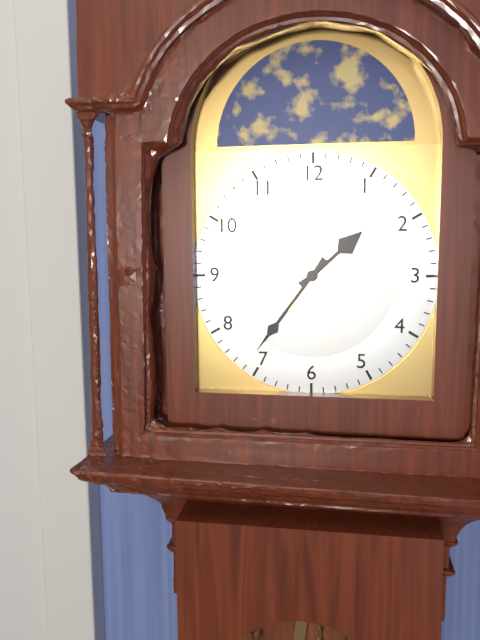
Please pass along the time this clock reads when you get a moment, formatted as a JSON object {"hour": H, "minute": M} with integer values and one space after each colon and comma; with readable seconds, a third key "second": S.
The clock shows {"hour": 1, "minute": 36}
